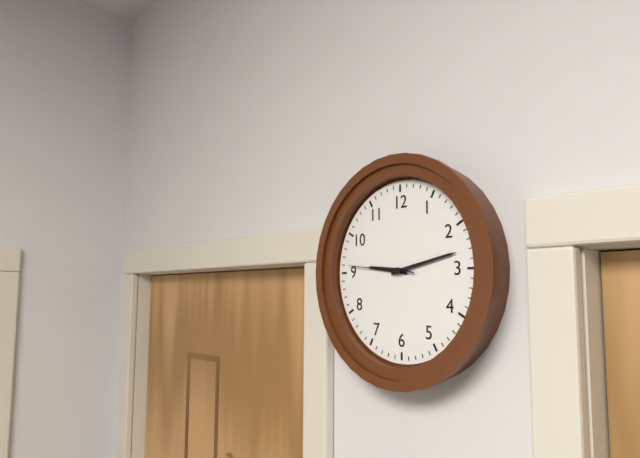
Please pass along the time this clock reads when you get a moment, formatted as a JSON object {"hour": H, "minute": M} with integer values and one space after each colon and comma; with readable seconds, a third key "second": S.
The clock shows {"hour": 9, "minute": 13, "second": 46}
